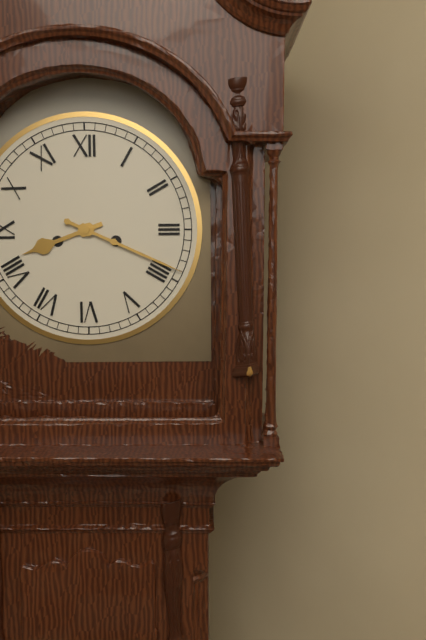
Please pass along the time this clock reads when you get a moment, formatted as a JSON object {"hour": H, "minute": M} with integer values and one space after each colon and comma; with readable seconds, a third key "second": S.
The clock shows {"hour": 8, "minute": 19}
